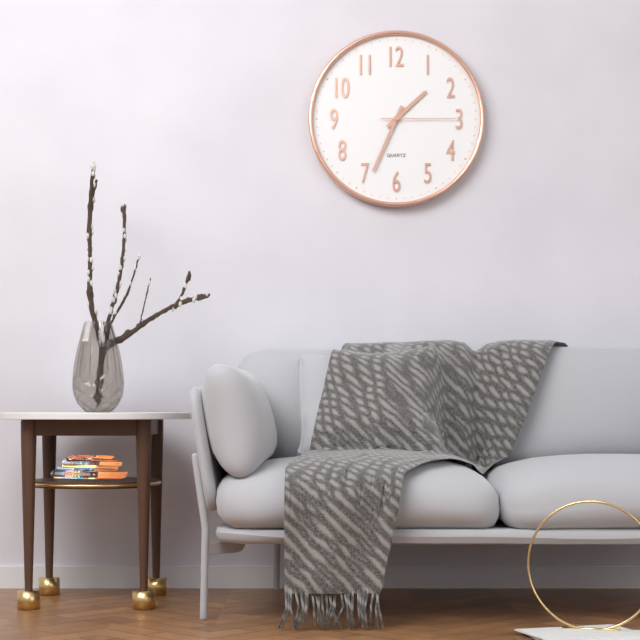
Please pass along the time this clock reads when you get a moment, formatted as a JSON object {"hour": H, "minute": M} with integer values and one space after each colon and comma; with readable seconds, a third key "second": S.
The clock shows {"hour": 1, "minute": 34, "second": 15}
